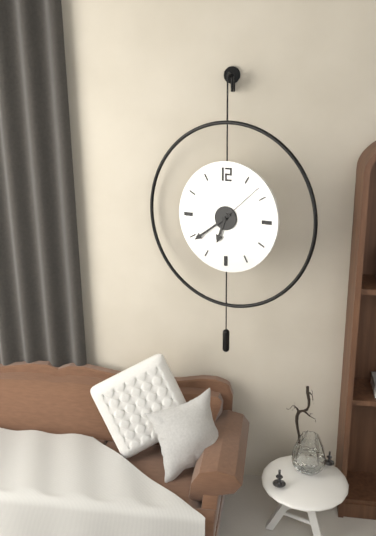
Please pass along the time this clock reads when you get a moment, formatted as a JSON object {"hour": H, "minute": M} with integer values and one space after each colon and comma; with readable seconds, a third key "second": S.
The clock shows {"hour": 6, "minute": 39, "second": 8}
